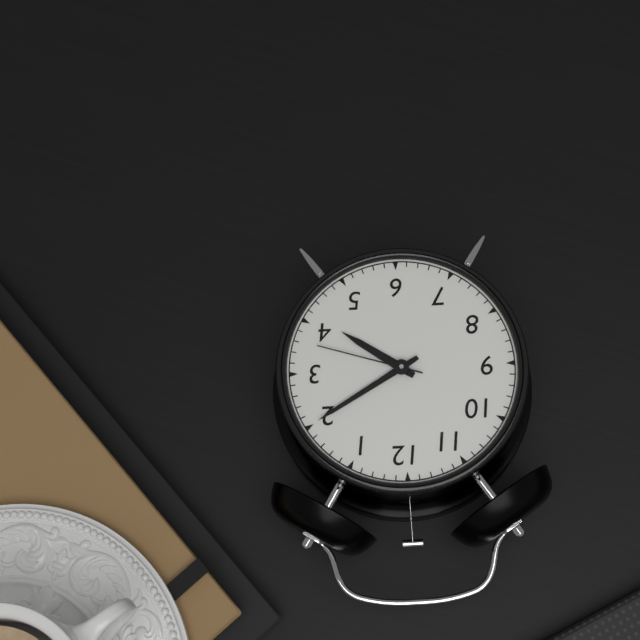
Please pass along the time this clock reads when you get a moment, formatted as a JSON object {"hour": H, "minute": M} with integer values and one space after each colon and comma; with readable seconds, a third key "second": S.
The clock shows {"hour": 4, "minute": 10, "second": 18}
